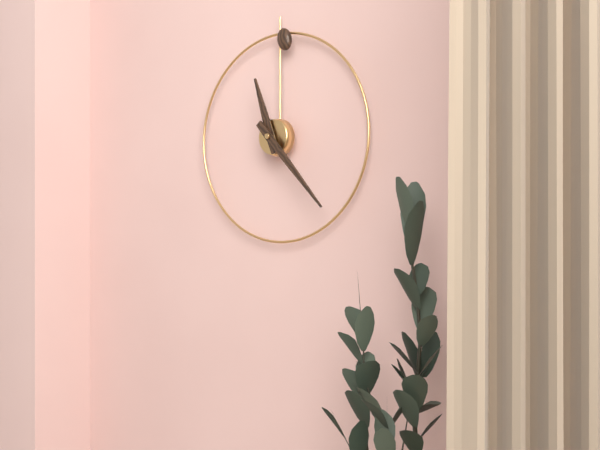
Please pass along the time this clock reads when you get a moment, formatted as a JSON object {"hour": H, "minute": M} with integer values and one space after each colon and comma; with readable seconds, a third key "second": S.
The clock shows {"hour": 11, "minute": 23}
